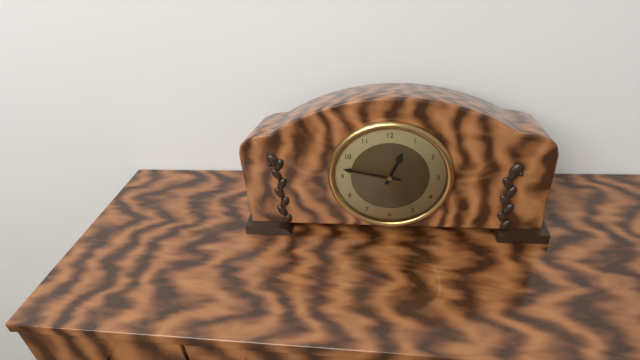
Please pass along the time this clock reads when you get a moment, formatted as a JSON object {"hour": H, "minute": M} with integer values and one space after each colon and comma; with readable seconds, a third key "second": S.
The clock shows {"hour": 12, "minute": 47}
